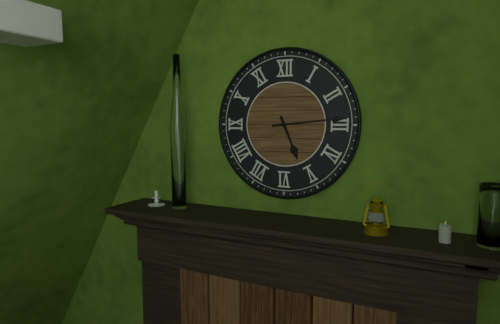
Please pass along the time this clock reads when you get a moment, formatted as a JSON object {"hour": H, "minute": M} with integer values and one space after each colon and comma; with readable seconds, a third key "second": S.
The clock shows {"hour": 5, "minute": 14}
